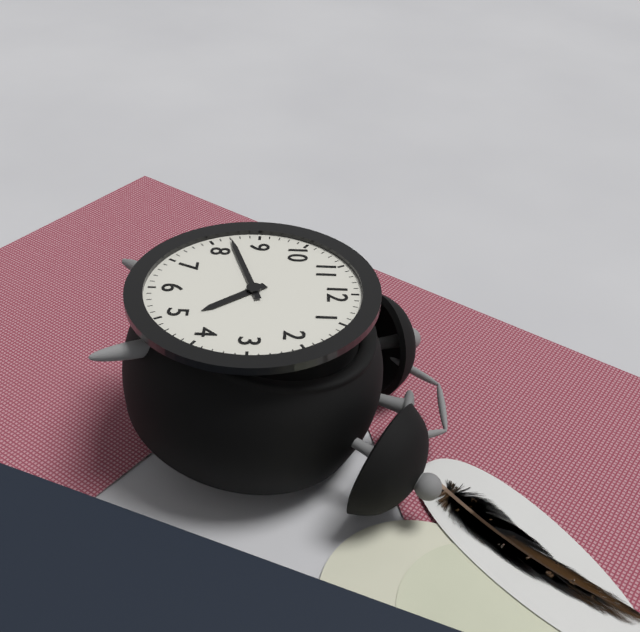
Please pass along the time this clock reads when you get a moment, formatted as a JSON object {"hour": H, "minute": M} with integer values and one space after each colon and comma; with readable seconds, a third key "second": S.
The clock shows {"hour": 4, "minute": 42}
